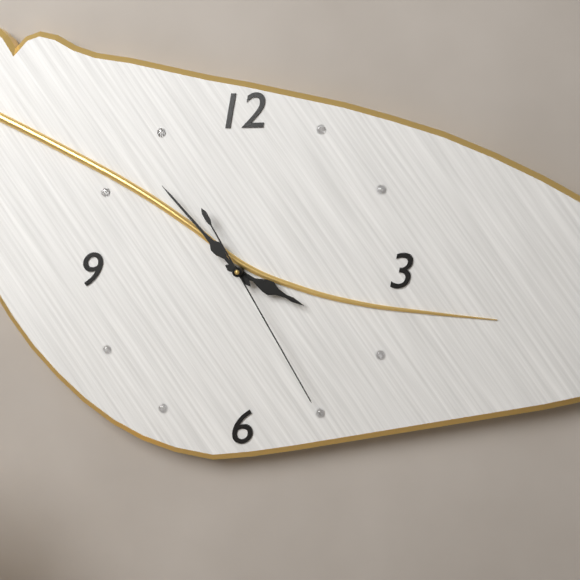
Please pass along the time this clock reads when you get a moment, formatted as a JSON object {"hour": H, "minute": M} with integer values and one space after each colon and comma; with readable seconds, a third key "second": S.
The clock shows {"hour": 3, "minute": 53, "second": 25}
